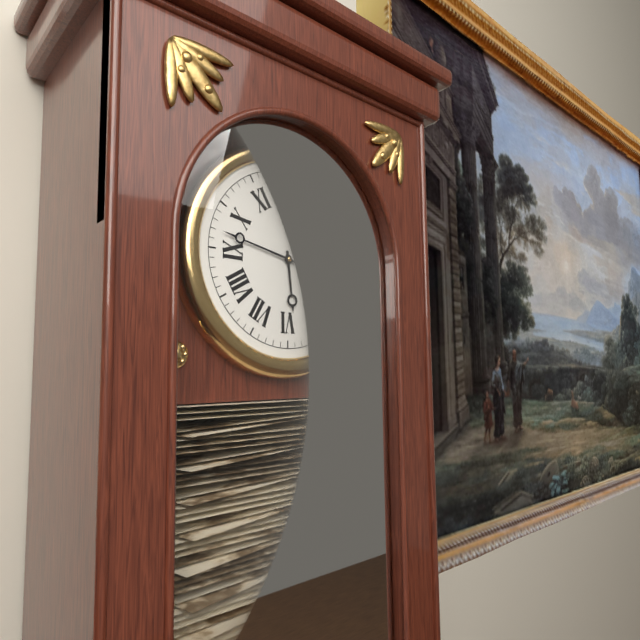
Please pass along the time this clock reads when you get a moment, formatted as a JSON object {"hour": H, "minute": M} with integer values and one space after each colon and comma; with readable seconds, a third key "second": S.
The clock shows {"hour": 5, "minute": 47}
